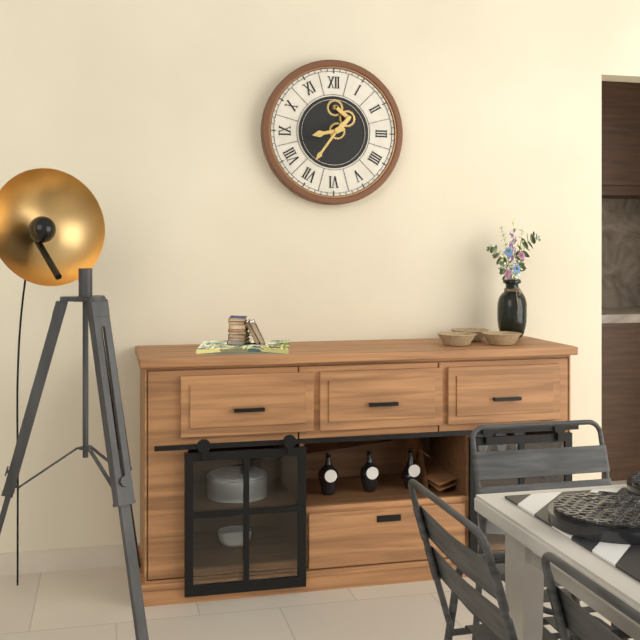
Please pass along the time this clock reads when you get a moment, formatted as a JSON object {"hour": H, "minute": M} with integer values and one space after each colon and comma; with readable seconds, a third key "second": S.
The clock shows {"hour": 8, "minute": 36}
